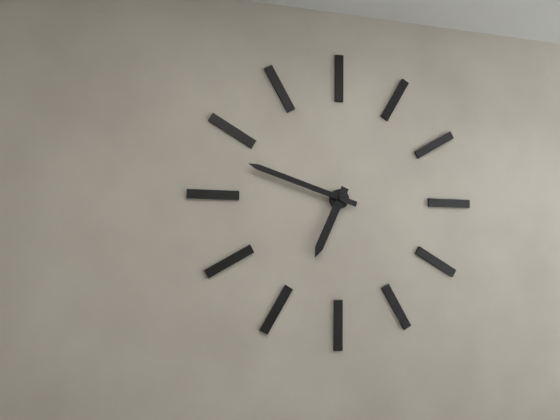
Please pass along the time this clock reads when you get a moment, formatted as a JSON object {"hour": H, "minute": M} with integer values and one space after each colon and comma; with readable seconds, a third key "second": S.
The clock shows {"hour": 6, "minute": 48}
